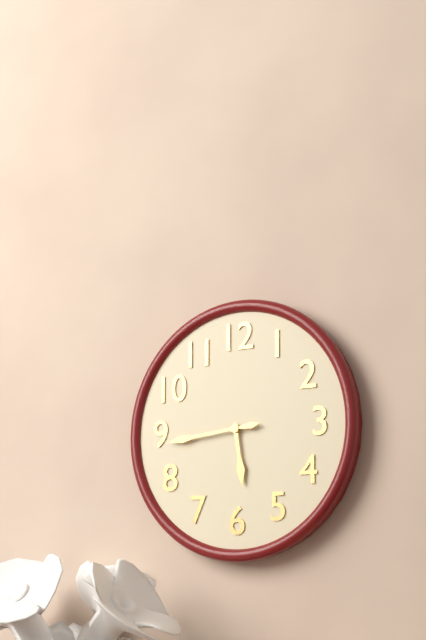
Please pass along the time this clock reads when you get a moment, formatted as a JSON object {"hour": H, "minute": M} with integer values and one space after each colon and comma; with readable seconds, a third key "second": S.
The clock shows {"hour": 5, "minute": 44}
